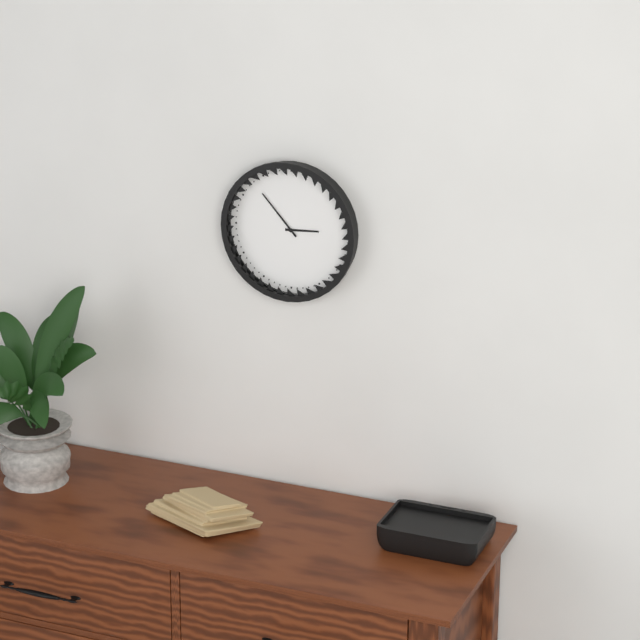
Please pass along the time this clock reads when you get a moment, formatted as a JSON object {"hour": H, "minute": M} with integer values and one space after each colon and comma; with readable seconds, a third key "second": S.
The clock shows {"hour": 2, "minute": 53}
